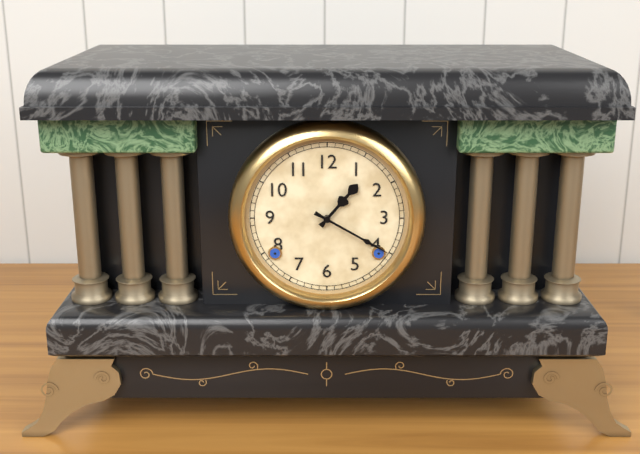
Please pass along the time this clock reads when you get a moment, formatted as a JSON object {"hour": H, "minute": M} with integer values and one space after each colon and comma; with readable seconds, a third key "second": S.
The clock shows {"hour": 1, "minute": 20}
